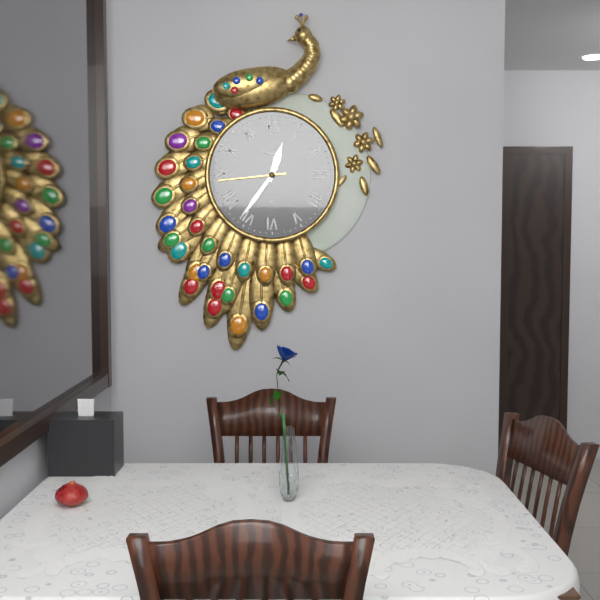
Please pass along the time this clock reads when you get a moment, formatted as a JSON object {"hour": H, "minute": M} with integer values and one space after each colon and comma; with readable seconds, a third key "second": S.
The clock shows {"hour": 12, "minute": 36, "second": 44}
